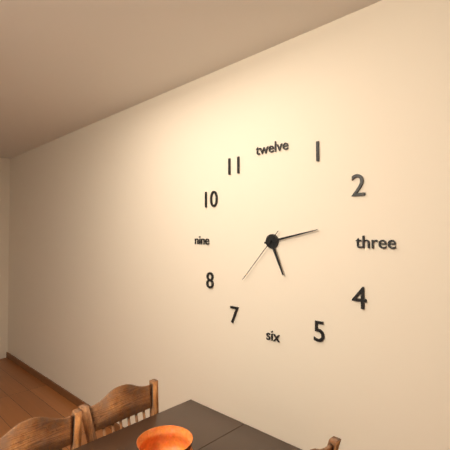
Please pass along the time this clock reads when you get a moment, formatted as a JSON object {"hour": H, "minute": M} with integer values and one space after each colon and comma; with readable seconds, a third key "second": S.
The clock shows {"hour": 5, "minute": 13, "second": 37}
